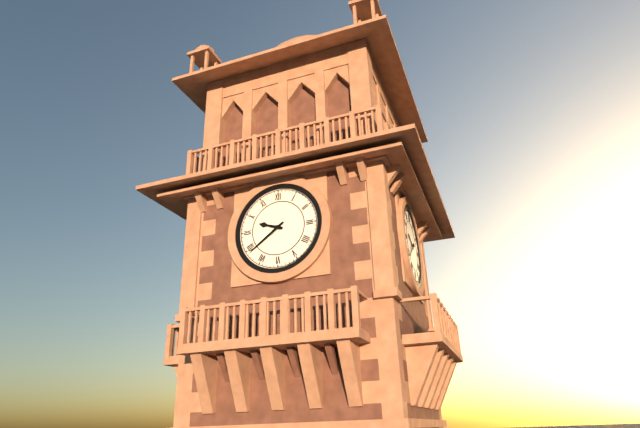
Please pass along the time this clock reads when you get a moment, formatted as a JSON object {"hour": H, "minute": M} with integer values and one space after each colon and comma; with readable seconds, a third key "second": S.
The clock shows {"hour": 9, "minute": 39}
